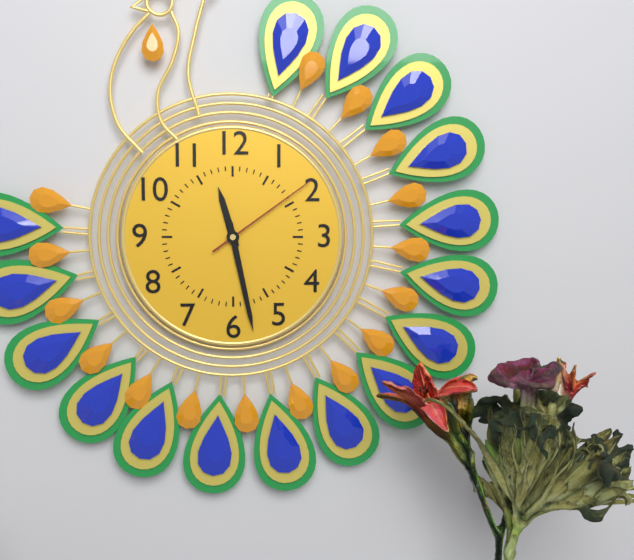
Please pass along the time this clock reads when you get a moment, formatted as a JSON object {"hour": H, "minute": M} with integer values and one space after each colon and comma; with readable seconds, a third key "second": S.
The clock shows {"hour": 11, "minute": 28, "second": 9}
